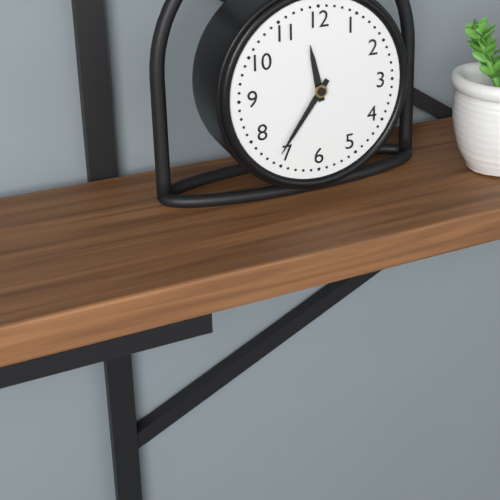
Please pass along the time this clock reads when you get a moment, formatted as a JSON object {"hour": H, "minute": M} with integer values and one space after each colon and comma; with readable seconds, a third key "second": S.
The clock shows {"hour": 11, "minute": 36}
